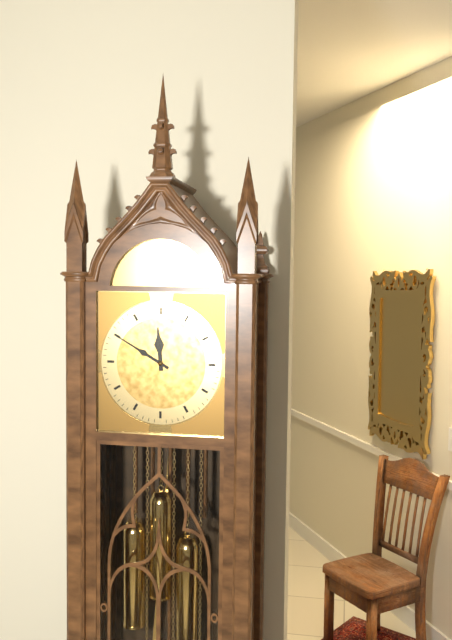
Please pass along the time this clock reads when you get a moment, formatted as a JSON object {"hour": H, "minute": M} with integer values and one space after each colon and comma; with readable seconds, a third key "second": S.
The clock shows {"hour": 11, "minute": 50}
